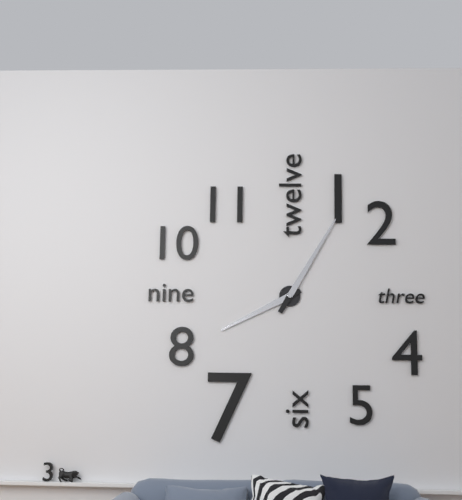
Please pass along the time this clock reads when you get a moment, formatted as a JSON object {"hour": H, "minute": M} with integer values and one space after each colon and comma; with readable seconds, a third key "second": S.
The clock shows {"hour": 8, "minute": 5}
